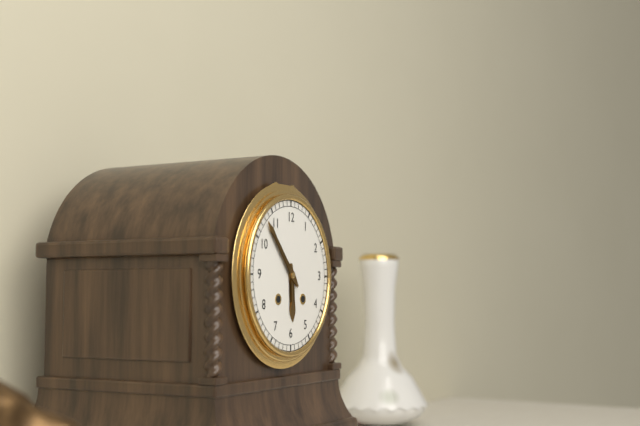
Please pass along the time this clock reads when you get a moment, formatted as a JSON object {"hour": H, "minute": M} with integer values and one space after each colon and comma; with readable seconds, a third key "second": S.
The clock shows {"hour": 5, "minute": 53}
